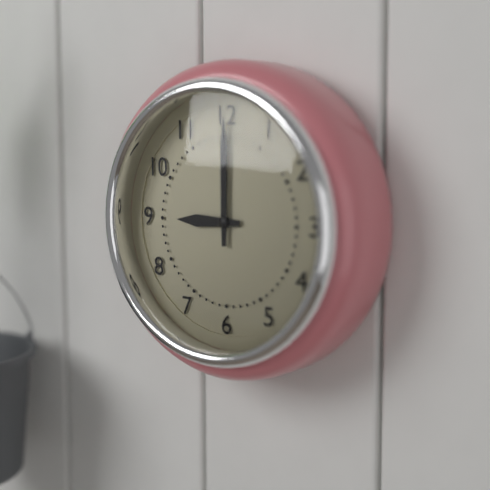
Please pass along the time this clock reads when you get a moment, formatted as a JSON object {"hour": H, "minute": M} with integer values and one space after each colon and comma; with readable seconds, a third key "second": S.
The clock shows {"hour": 9, "minute": 0}
